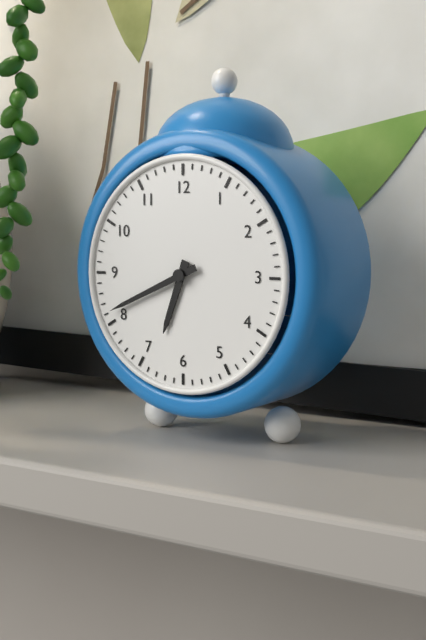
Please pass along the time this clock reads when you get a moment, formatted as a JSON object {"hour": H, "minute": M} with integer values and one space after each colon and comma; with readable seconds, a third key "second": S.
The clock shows {"hour": 6, "minute": 41}
